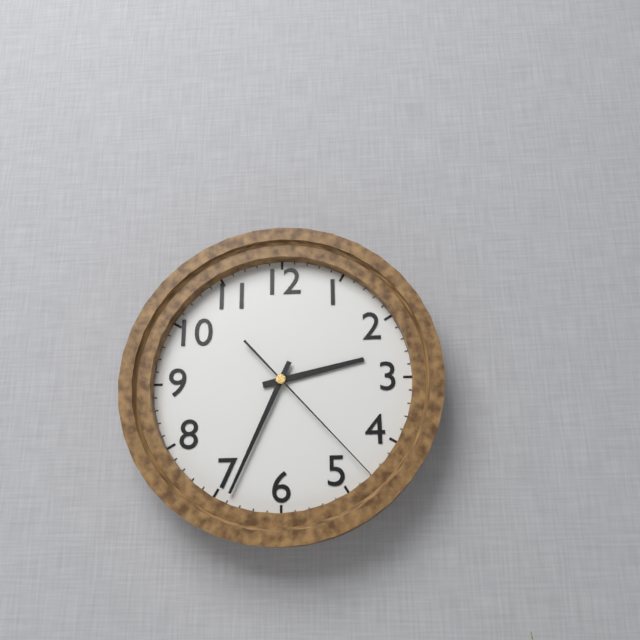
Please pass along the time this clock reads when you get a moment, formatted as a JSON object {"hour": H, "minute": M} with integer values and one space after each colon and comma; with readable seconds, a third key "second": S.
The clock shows {"hour": 2, "minute": 34, "second": 23}
